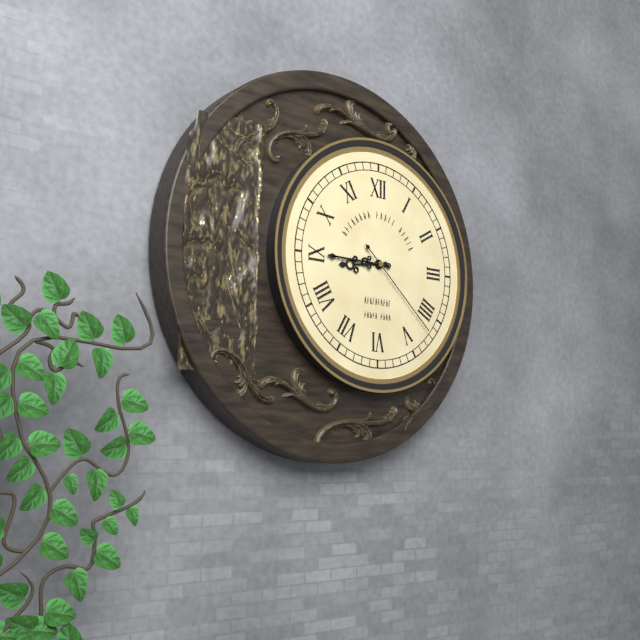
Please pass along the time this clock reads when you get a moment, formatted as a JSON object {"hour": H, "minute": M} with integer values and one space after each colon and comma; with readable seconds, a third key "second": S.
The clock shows {"hour": 8, "minute": 45, "second": 22}
